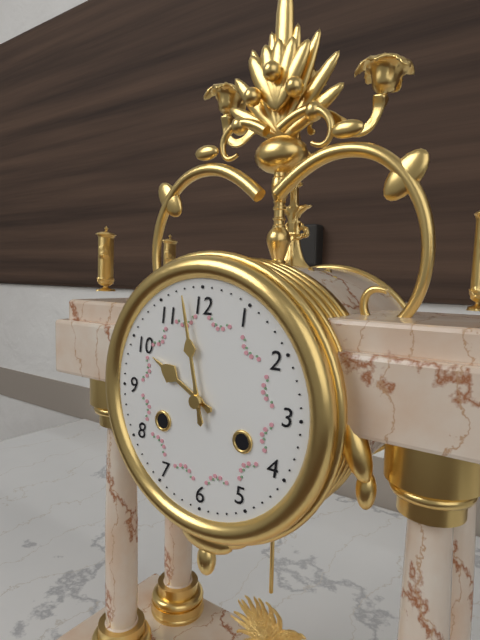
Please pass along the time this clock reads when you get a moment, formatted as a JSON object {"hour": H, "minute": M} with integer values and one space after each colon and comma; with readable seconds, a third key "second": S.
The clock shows {"hour": 9, "minute": 58}
